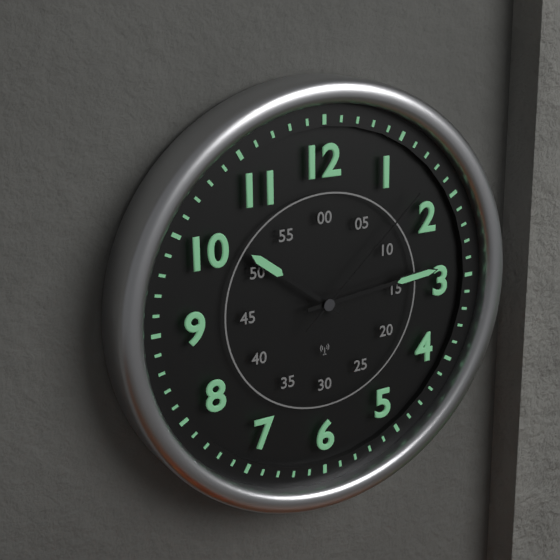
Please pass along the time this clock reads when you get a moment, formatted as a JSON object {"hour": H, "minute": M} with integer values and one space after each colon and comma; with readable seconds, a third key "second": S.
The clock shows {"hour": 10, "minute": 14, "second": 8}
